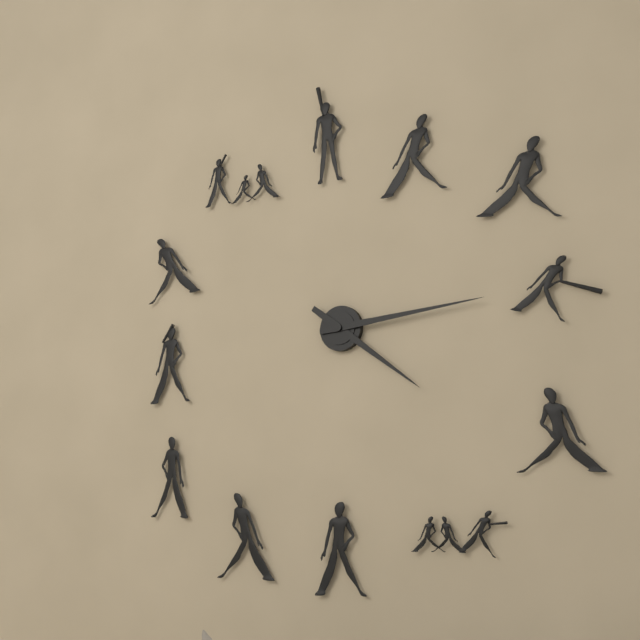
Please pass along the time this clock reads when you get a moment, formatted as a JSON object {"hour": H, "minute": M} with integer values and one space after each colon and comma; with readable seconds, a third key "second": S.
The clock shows {"hour": 4, "minute": 14}
